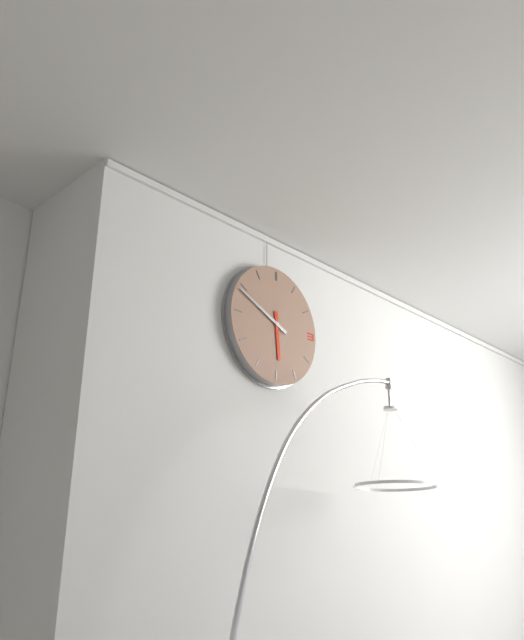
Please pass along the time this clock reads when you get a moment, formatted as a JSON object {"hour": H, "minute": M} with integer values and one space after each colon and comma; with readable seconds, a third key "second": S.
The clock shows {"hour": 5, "minute": 49}
